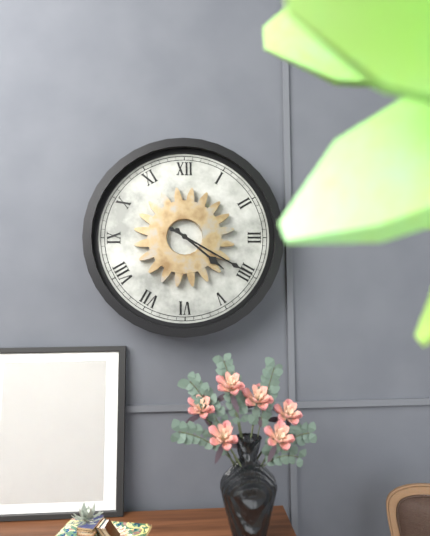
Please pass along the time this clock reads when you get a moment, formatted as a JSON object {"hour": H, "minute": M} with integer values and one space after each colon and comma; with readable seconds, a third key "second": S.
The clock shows {"hour": 4, "minute": 20}
